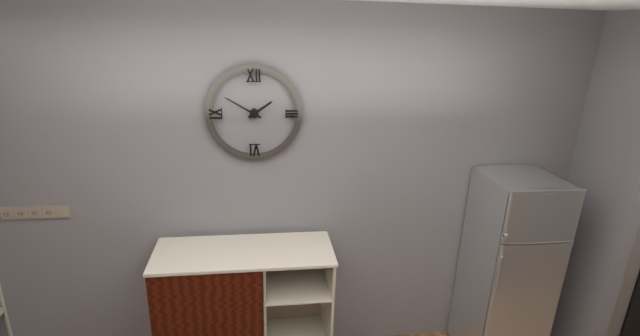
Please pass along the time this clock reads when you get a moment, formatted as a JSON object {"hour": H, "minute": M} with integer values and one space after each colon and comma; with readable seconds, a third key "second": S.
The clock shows {"hour": 1, "minute": 50}
